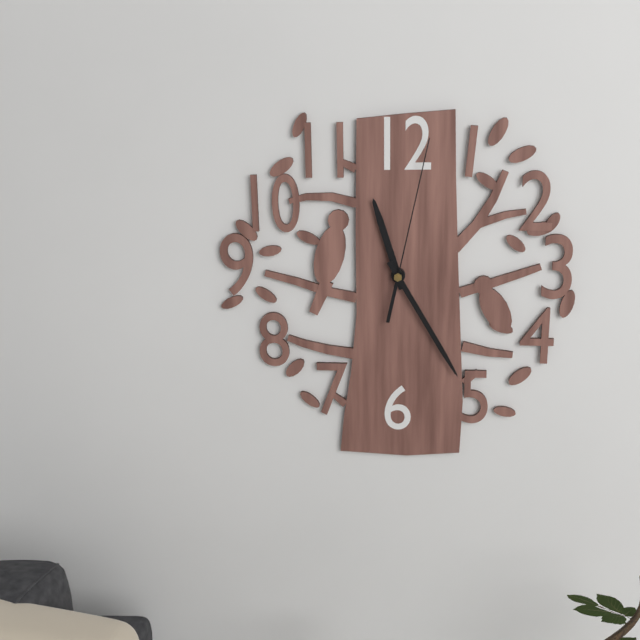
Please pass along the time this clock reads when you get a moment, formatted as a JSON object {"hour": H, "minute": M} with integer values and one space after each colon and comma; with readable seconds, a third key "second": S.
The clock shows {"hour": 11, "minute": 25, "second": 2}
